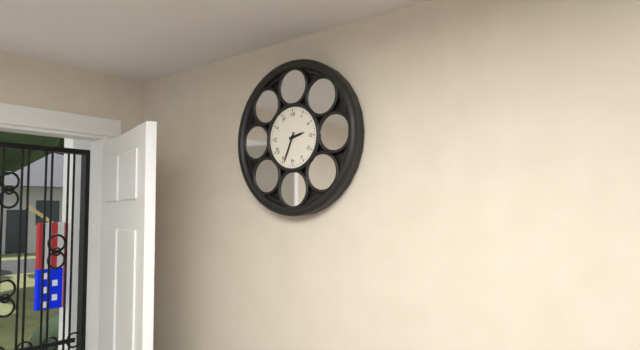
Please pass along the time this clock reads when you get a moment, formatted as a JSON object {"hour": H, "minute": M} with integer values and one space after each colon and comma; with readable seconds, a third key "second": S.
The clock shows {"hour": 2, "minute": 34}
